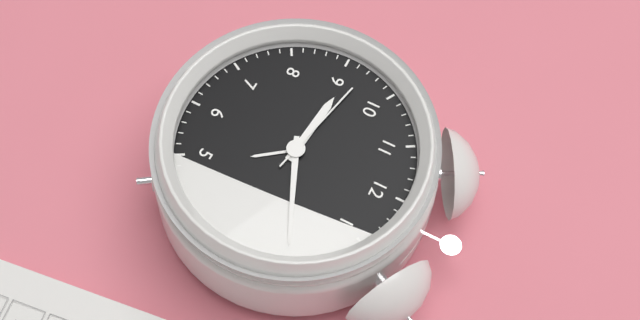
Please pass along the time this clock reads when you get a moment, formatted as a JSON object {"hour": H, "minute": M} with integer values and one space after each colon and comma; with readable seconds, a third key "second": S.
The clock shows {"hour": 9, "minute": 11, "second": 47}
